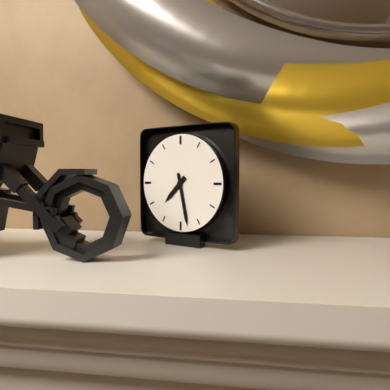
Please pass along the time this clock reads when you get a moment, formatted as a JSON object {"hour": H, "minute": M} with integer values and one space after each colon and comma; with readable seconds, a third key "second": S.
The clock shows {"hour": 7, "minute": 28}
